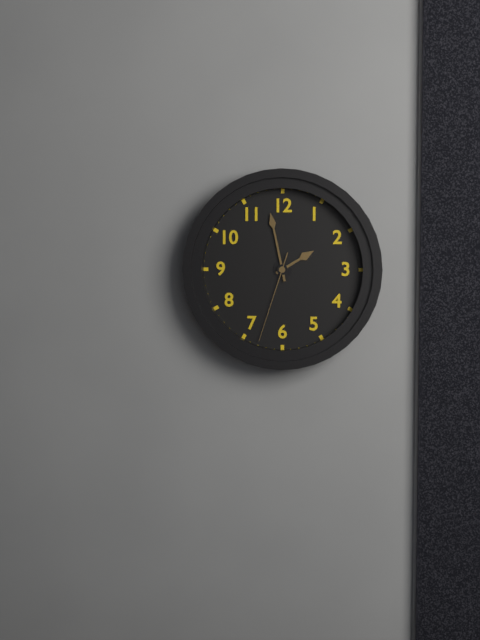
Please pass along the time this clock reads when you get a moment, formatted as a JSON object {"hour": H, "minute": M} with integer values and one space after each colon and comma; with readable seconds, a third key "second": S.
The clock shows {"hour": 1, "minute": 58, "second": 33}
